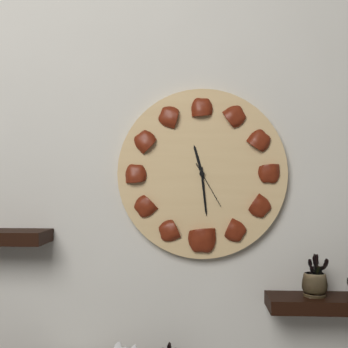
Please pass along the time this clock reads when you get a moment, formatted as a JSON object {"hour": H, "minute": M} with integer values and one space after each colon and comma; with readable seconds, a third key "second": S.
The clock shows {"hour": 11, "minute": 29}
